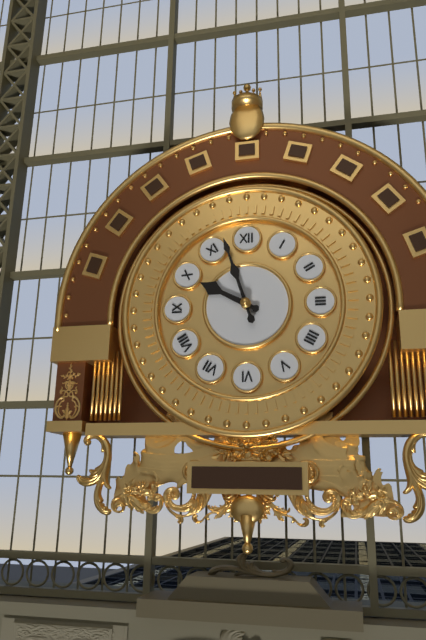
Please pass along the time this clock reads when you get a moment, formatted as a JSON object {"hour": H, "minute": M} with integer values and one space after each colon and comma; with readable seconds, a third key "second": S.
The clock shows {"hour": 9, "minute": 57}
